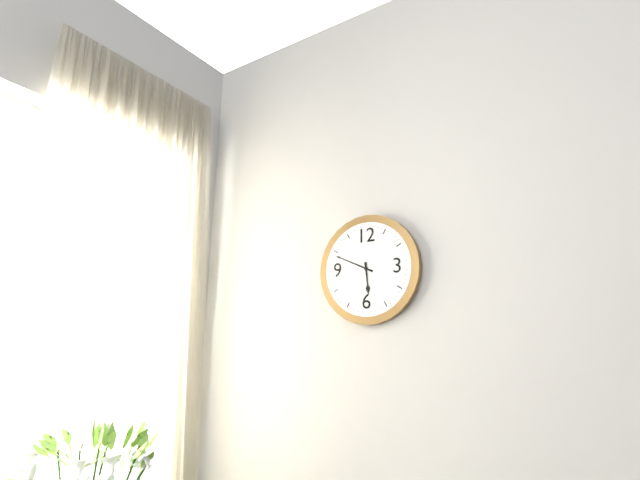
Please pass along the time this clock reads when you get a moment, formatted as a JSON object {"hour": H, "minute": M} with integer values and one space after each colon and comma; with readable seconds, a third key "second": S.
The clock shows {"hour": 5, "minute": 49}
